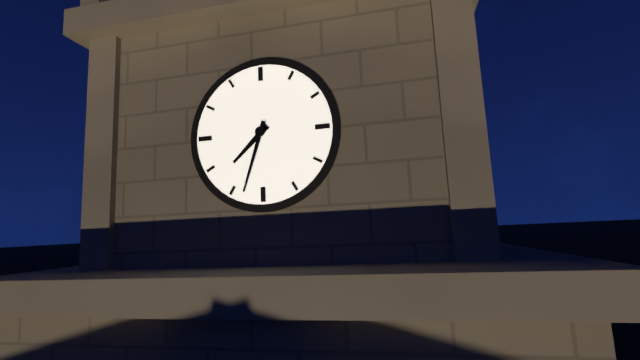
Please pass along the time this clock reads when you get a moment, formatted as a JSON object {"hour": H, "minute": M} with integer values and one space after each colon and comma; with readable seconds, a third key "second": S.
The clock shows {"hour": 7, "minute": 33}
